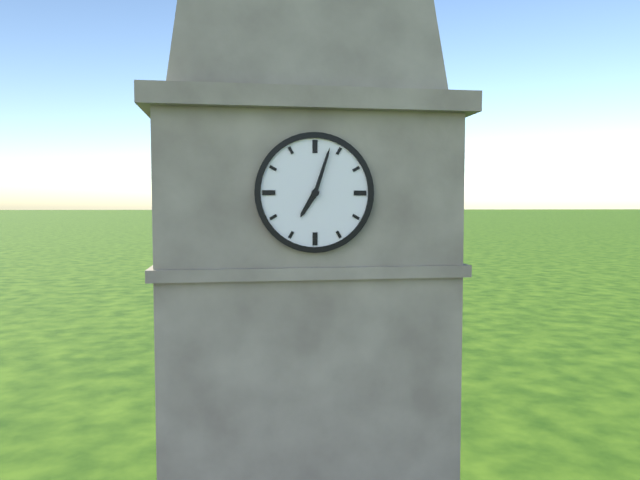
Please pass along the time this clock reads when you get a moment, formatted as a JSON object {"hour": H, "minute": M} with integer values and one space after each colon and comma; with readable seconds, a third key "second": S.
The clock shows {"hour": 7, "minute": 3}
